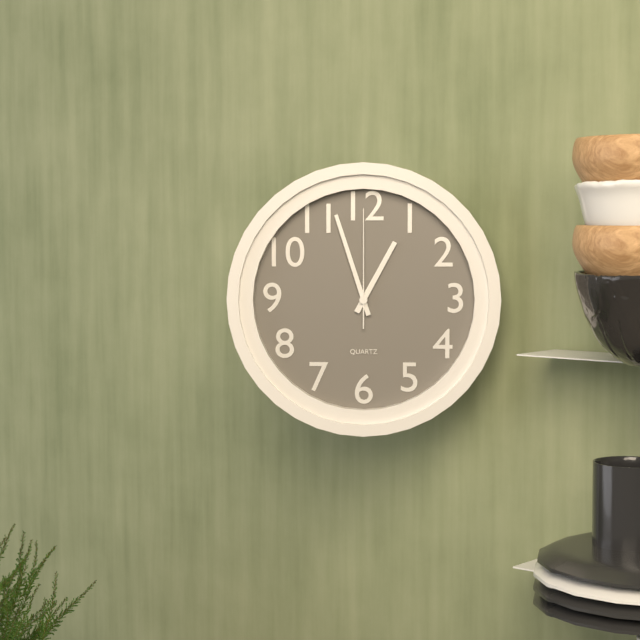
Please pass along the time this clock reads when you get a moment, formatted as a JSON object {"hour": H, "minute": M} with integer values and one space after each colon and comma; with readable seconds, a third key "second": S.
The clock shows {"hour": 12, "minute": 57, "second": 0}
